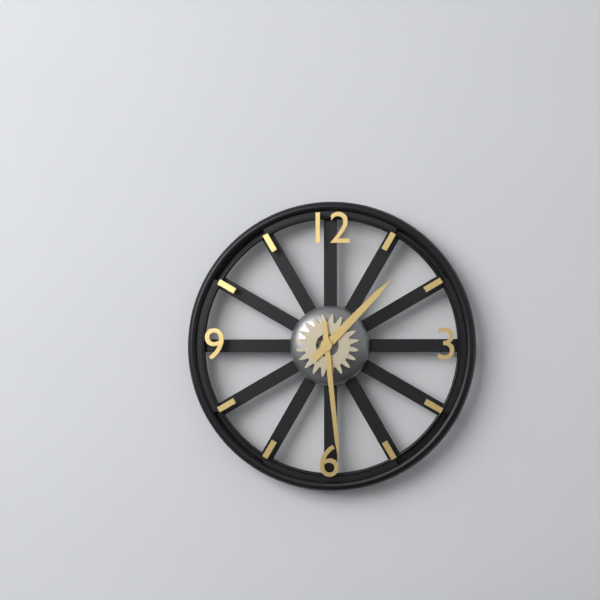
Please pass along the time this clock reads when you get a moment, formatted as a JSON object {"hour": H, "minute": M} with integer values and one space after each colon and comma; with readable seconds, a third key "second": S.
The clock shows {"hour": 1, "minute": 29}
